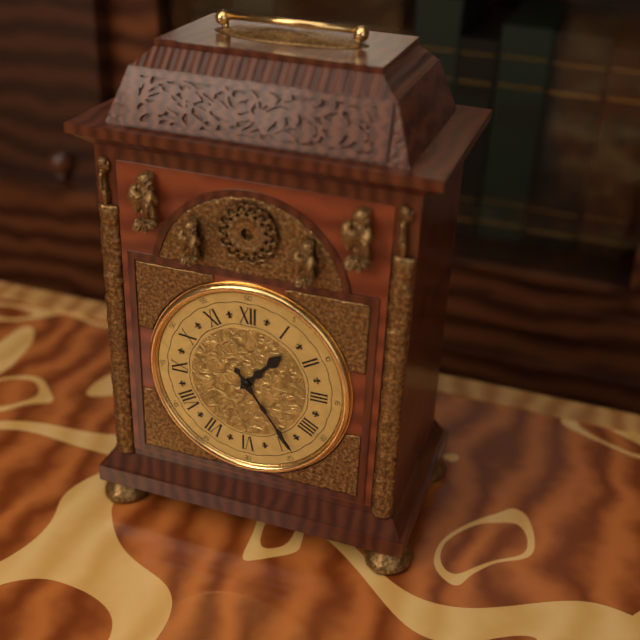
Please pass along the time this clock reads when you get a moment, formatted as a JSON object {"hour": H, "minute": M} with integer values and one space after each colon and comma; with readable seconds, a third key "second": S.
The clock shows {"hour": 1, "minute": 24}
